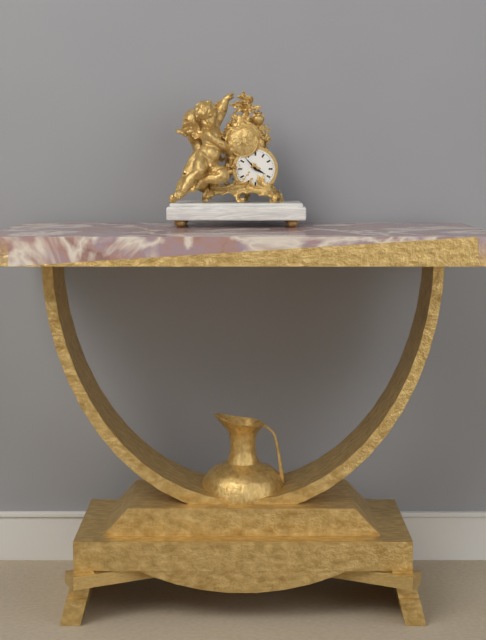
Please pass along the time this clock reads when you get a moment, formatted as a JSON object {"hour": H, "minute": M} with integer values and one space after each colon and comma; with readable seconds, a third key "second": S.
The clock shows {"hour": 3, "minute": 53}
